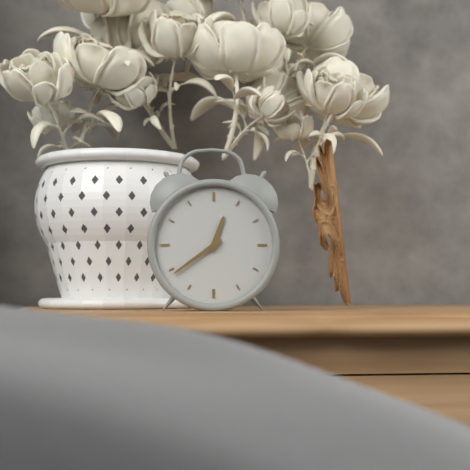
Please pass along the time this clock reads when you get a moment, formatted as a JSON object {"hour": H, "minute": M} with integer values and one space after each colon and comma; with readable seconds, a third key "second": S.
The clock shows {"hour": 12, "minute": 39}
